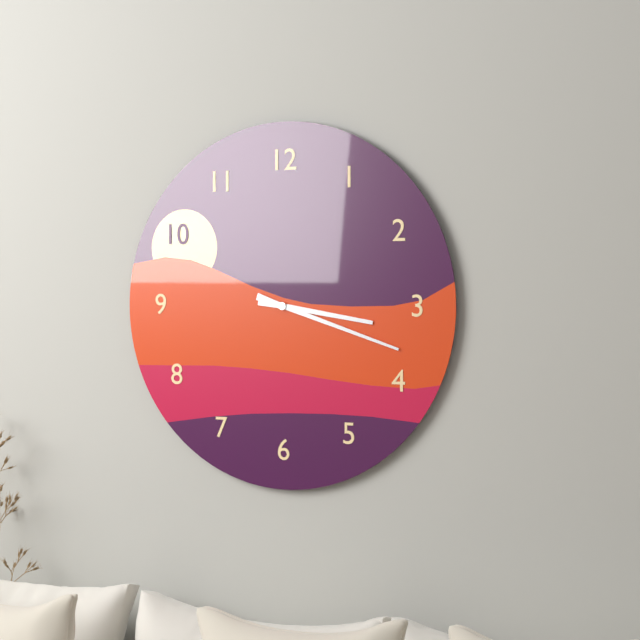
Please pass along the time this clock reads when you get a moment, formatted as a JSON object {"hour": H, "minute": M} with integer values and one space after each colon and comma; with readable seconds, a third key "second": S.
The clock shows {"hour": 3, "minute": 18}
